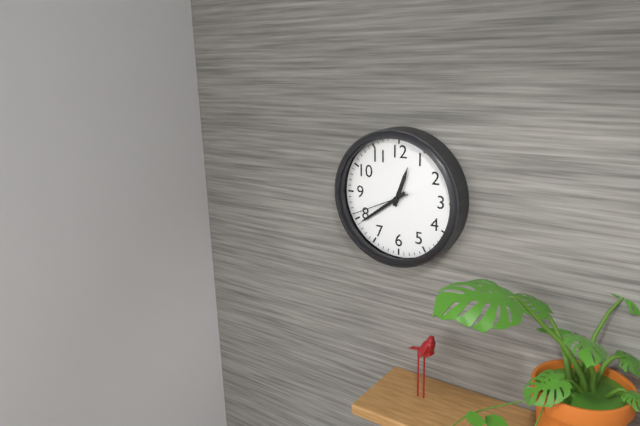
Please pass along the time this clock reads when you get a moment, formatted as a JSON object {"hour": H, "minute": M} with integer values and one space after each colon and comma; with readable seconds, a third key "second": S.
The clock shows {"hour": 12, "minute": 39, "second": 41}
